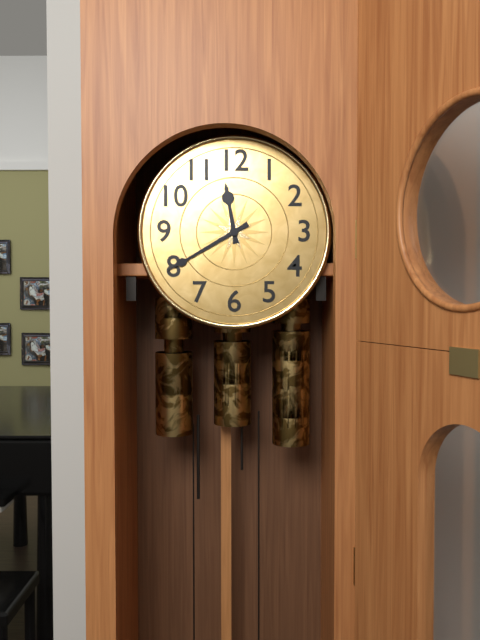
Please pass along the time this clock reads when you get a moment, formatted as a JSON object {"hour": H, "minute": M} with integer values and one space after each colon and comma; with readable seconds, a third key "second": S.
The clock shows {"hour": 11, "minute": 40}
